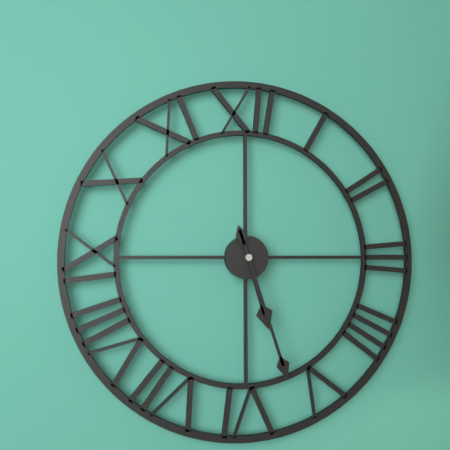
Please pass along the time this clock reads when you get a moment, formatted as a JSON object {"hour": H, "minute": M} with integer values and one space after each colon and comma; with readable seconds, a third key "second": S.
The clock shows {"hour": 5, "minute": 27}
